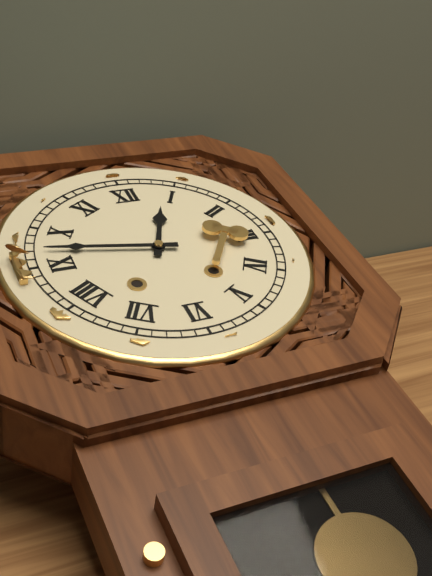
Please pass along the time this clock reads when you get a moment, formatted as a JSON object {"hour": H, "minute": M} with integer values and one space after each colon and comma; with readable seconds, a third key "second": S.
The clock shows {"hour": 12, "minute": 47}
